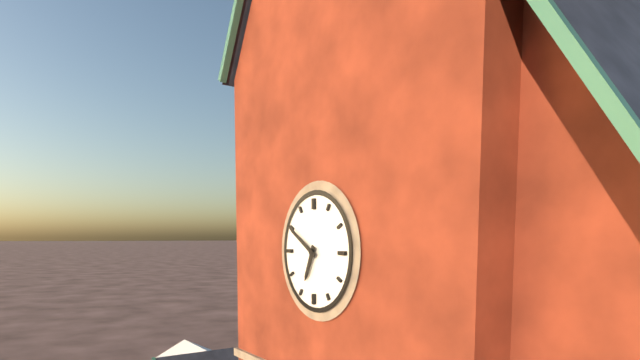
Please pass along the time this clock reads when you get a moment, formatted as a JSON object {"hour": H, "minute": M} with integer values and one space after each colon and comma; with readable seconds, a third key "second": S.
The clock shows {"hour": 6, "minute": 50}
